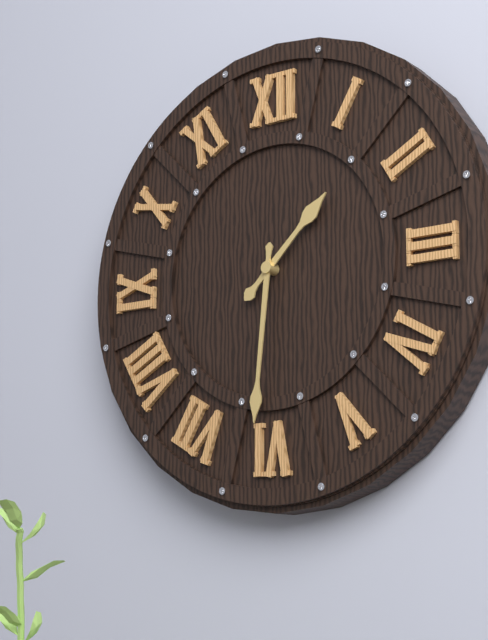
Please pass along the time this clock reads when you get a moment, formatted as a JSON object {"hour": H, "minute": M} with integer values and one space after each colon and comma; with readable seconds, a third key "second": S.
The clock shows {"hour": 1, "minute": 31}
